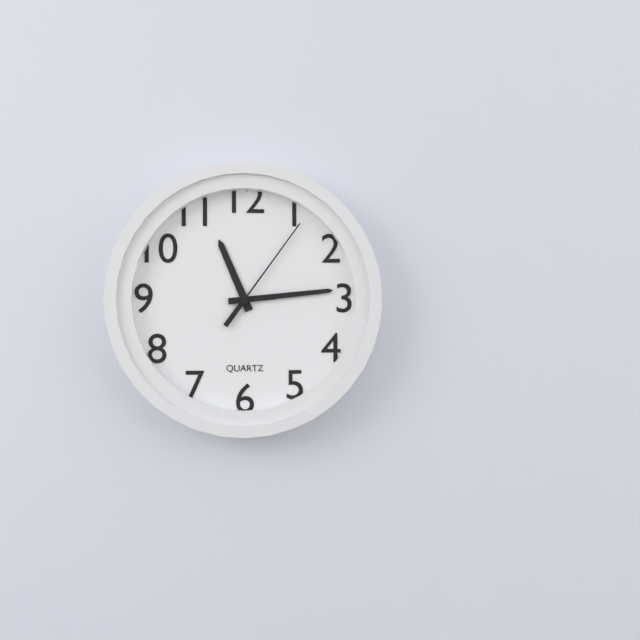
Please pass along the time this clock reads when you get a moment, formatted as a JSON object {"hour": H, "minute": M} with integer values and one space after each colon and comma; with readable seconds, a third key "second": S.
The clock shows {"hour": 11, "minute": 14, "second": 6}
